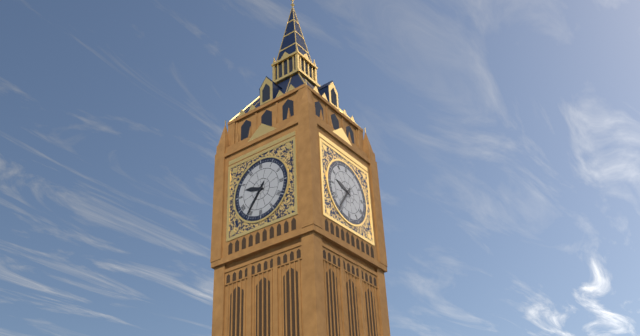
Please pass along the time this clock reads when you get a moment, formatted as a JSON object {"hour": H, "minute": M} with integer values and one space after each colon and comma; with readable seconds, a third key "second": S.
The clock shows {"hour": 9, "minute": 36}
